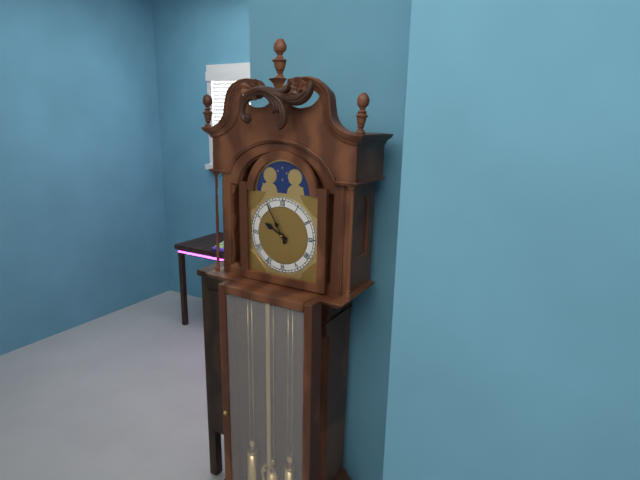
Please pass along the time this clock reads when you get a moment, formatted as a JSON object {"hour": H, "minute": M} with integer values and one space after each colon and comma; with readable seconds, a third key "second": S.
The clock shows {"hour": 9, "minute": 55}
